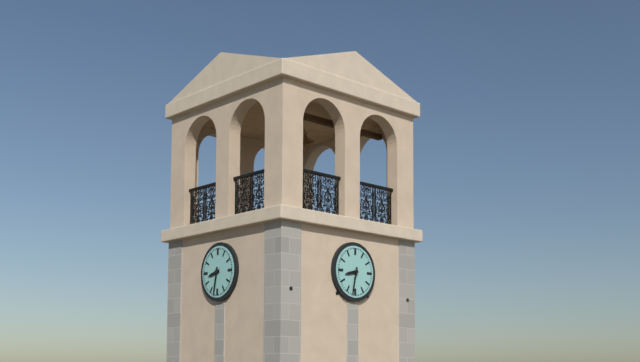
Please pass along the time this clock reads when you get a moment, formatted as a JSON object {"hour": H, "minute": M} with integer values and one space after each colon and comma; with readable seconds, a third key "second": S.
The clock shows {"hour": 8, "minute": 32}
